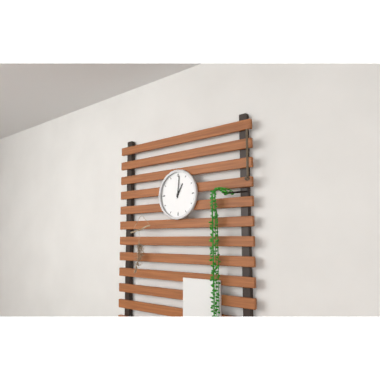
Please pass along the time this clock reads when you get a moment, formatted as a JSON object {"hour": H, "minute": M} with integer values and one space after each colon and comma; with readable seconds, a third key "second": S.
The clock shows {"hour": 1, "minute": 1}
